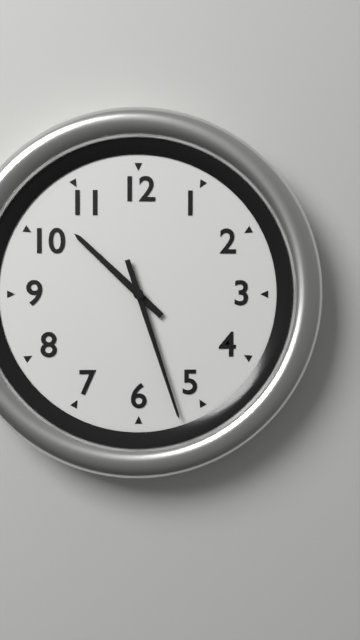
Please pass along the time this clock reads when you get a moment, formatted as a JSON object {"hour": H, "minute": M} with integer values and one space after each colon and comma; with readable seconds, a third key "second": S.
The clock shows {"hour": 10, "minute": 27}
